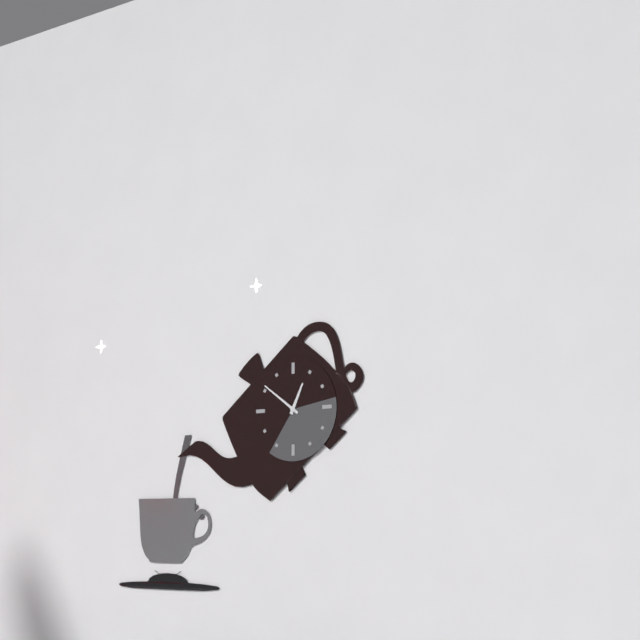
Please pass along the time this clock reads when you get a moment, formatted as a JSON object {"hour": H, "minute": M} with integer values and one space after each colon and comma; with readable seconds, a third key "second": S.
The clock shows {"hour": 12, "minute": 51}
